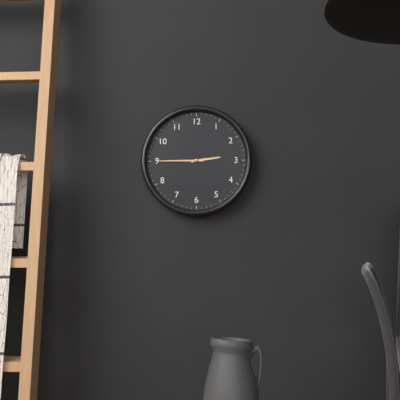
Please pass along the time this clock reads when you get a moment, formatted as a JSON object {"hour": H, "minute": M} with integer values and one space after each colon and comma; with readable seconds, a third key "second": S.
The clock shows {"hour": 2, "minute": 45}
